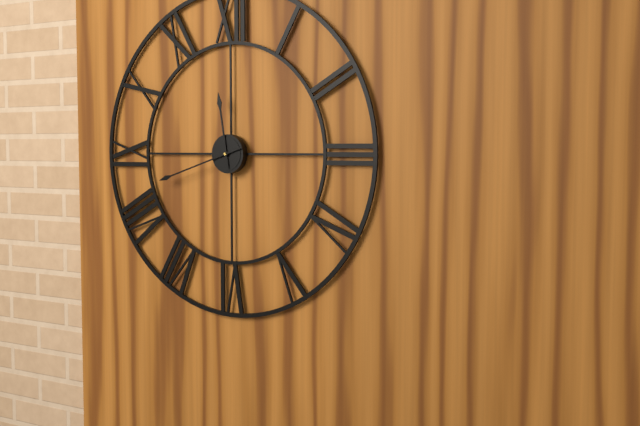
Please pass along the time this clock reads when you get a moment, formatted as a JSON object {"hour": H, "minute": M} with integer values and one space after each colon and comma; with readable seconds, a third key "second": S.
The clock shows {"hour": 11, "minute": 42}
